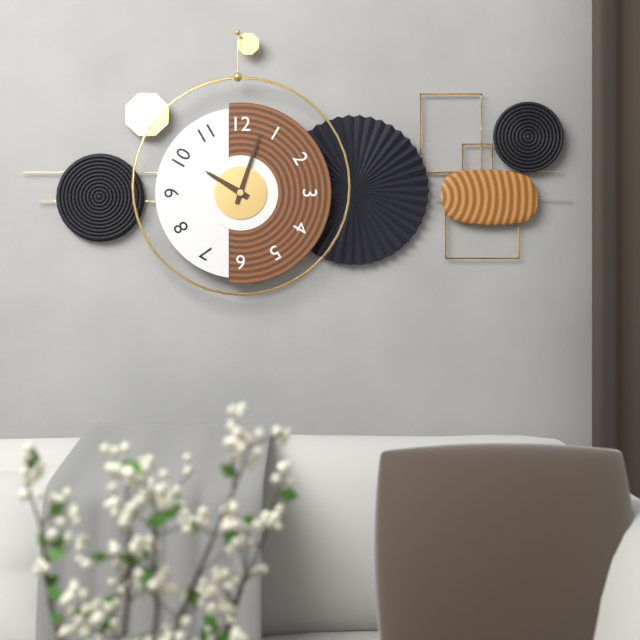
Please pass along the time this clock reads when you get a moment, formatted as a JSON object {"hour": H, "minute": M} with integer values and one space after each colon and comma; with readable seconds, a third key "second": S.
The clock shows {"hour": 10, "minute": 3}
